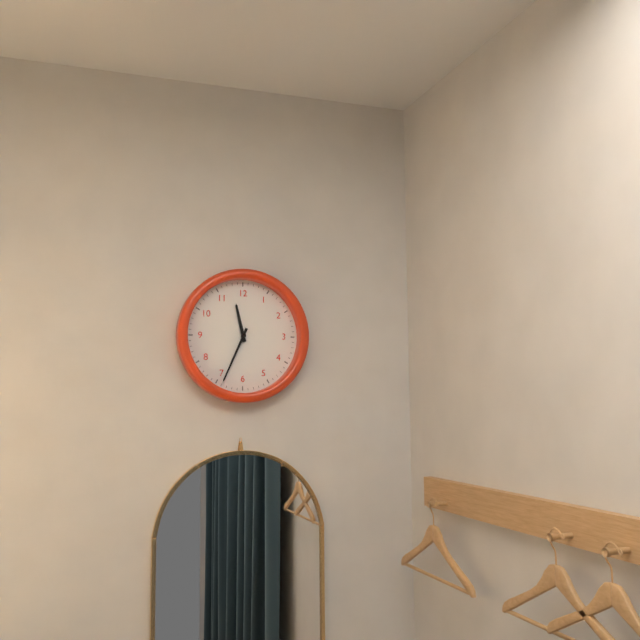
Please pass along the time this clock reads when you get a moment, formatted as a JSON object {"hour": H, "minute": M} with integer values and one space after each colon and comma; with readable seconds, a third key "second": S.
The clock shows {"hour": 11, "minute": 34}
